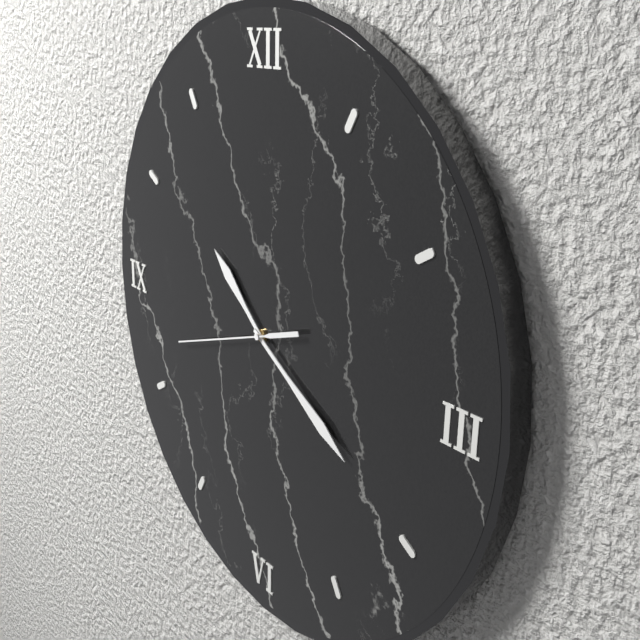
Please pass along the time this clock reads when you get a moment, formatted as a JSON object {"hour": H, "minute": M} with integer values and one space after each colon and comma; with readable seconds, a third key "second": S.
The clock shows {"hour": 10, "minute": 20, "second": 42}
